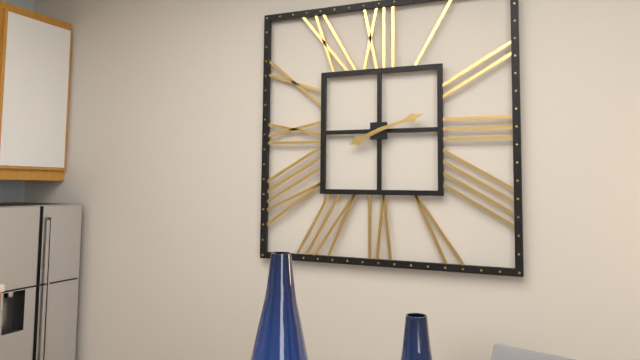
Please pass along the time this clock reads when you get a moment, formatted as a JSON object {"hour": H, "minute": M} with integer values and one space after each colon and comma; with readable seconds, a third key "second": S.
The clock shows {"hour": 8, "minute": 12}
